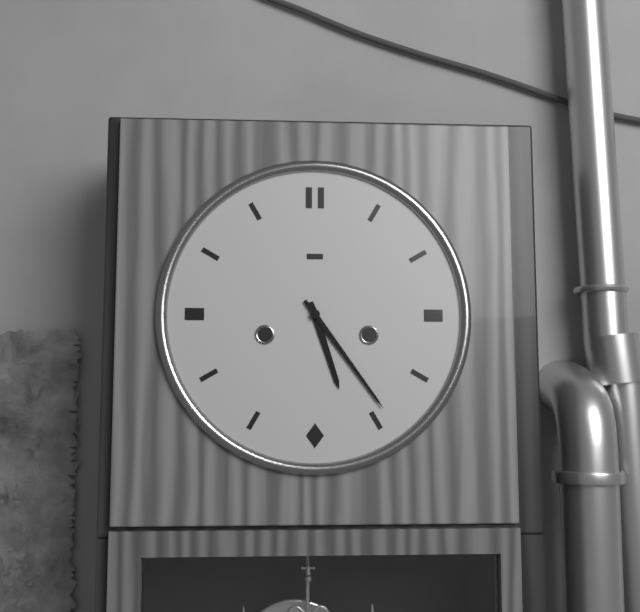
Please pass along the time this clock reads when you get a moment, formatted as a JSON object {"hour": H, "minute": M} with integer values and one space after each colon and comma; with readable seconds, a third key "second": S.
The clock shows {"hour": 5, "minute": 24}
